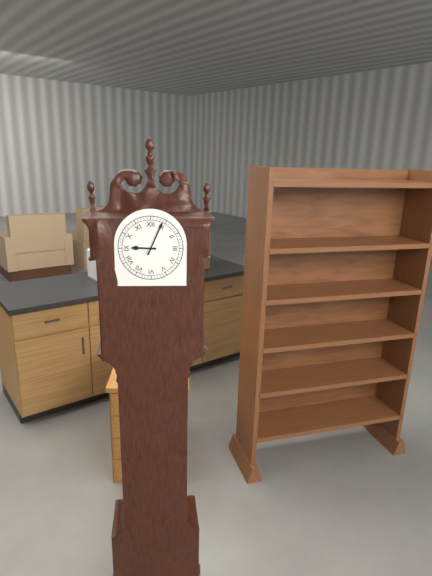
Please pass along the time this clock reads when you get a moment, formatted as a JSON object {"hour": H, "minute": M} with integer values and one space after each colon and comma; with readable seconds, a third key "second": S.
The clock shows {"hour": 9, "minute": 4}
